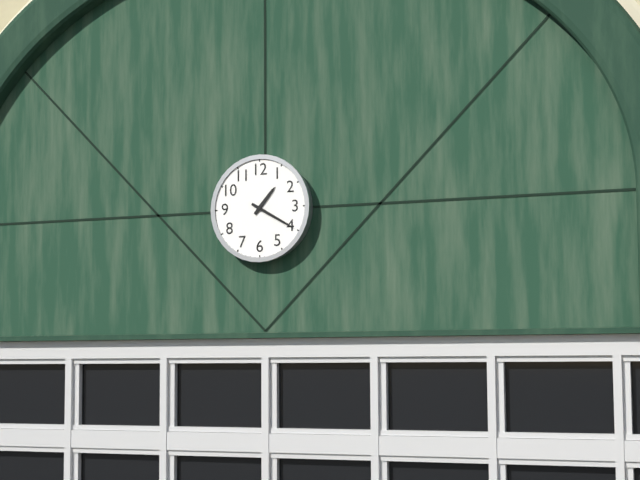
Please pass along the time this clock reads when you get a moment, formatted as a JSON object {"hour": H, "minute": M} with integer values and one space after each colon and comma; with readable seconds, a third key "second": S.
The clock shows {"hour": 1, "minute": 20}
